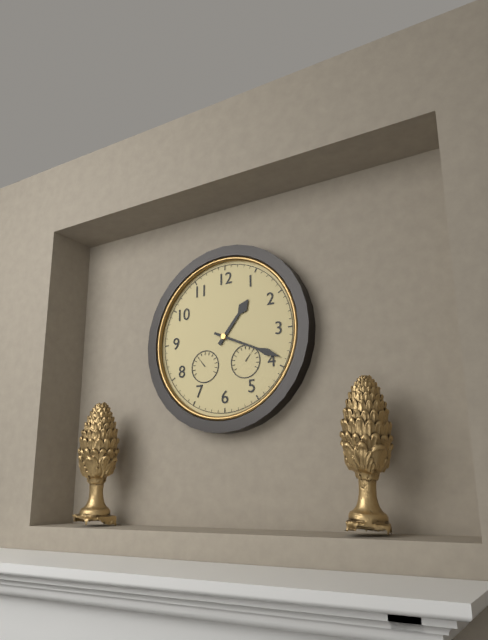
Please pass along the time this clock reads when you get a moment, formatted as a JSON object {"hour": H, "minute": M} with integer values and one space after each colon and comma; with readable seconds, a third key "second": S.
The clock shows {"hour": 1, "minute": 19}
